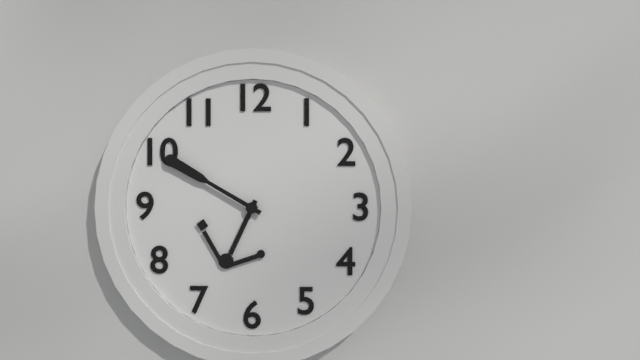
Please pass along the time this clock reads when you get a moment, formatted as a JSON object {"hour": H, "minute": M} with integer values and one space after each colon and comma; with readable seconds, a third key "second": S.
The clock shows {"hour": 6, "minute": 50}
